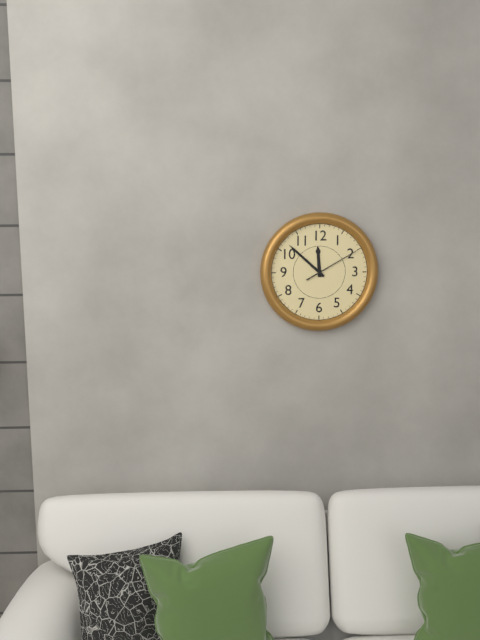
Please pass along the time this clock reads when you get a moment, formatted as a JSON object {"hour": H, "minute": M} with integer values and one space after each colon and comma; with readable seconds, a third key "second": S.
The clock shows {"hour": 11, "minute": 52, "second": 10}
